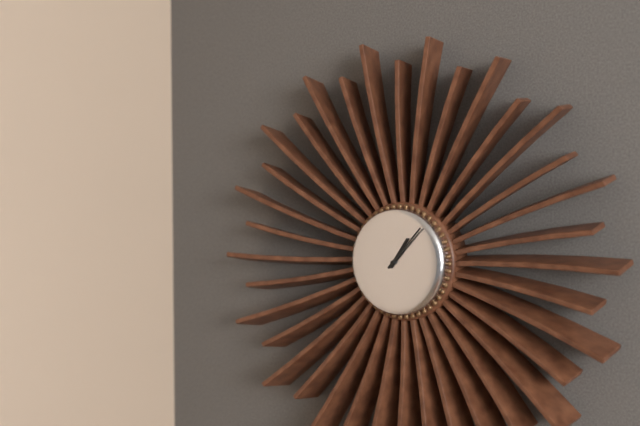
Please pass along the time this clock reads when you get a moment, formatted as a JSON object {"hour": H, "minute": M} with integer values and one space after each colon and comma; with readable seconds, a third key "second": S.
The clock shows {"hour": 1, "minute": 7}
